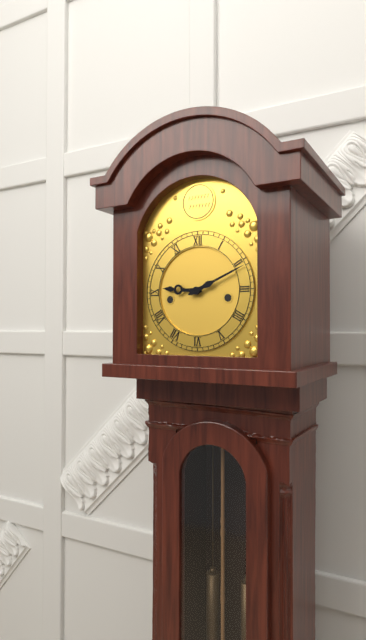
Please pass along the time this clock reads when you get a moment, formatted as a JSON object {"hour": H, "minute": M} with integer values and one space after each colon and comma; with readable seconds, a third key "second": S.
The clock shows {"hour": 9, "minute": 11}
